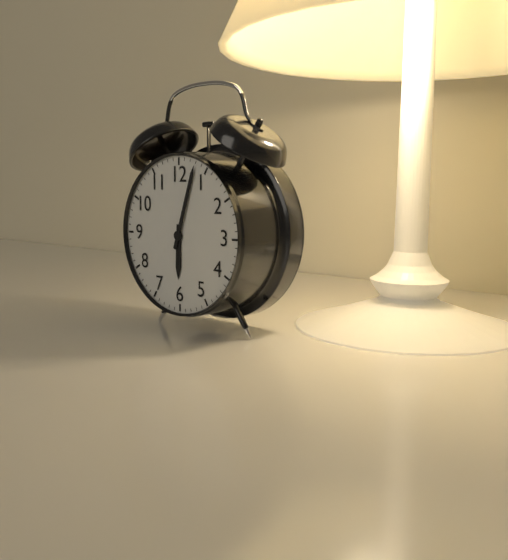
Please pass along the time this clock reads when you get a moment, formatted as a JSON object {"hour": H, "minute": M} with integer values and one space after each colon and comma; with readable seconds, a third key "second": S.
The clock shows {"hour": 6, "minute": 3}
